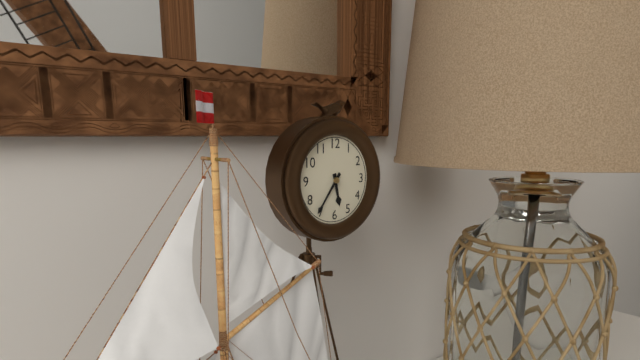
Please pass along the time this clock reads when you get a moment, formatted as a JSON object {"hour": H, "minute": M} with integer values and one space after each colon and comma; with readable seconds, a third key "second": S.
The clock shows {"hour": 5, "minute": 36}
